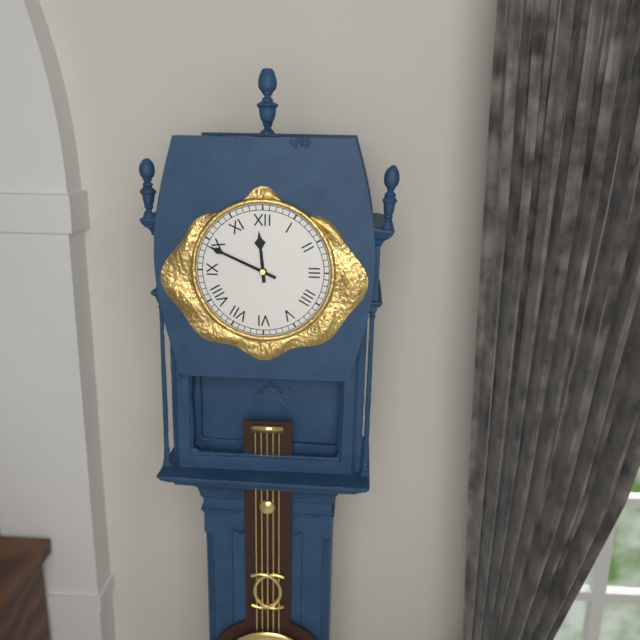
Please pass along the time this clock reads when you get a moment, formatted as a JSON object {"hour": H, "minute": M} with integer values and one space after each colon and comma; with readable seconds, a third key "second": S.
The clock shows {"hour": 11, "minute": 49}
